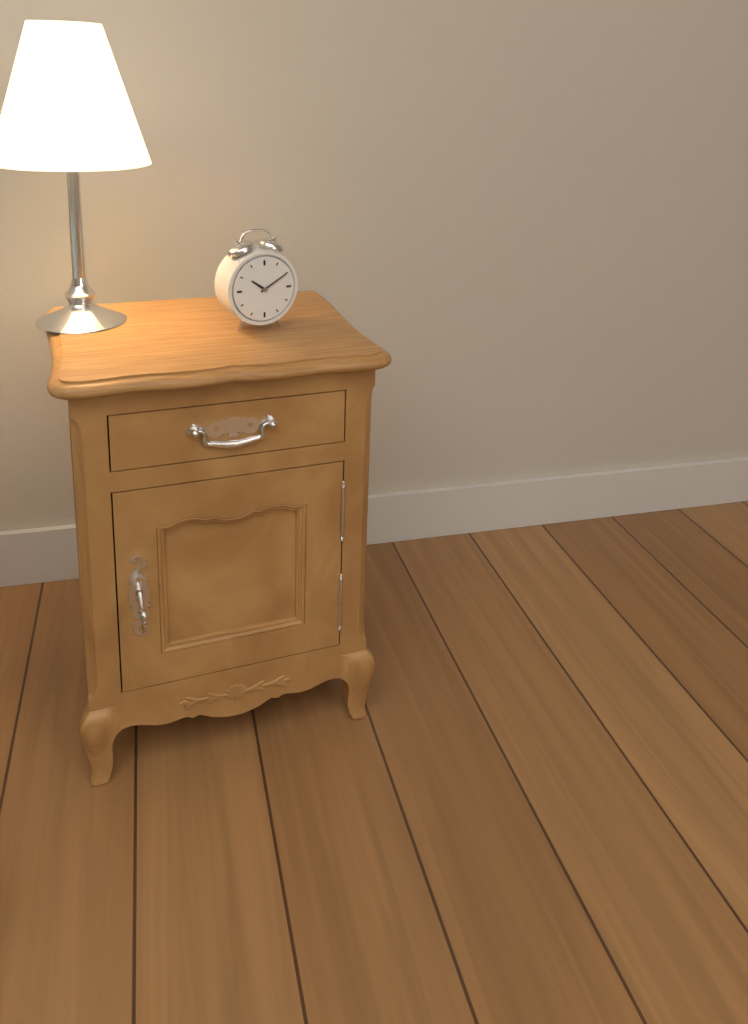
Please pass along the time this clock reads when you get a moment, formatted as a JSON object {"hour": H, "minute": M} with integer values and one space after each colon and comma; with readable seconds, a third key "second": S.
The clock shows {"hour": 10, "minute": 10}
